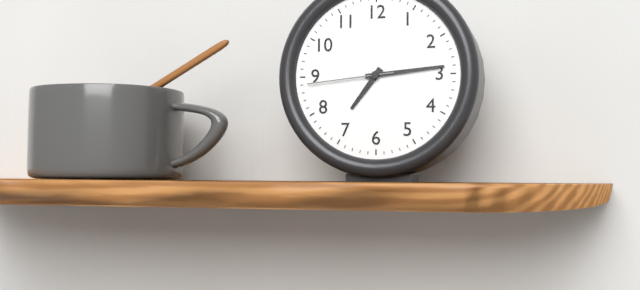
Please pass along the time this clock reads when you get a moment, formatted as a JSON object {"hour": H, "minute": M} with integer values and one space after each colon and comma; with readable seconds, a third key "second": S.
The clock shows {"hour": 7, "minute": 14, "second": 44}
